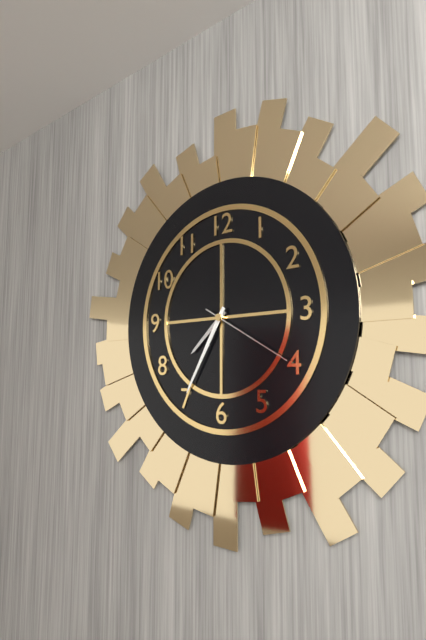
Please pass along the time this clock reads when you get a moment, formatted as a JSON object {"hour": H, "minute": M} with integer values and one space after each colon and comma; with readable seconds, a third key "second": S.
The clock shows {"hour": 7, "minute": 35, "second": 20}
